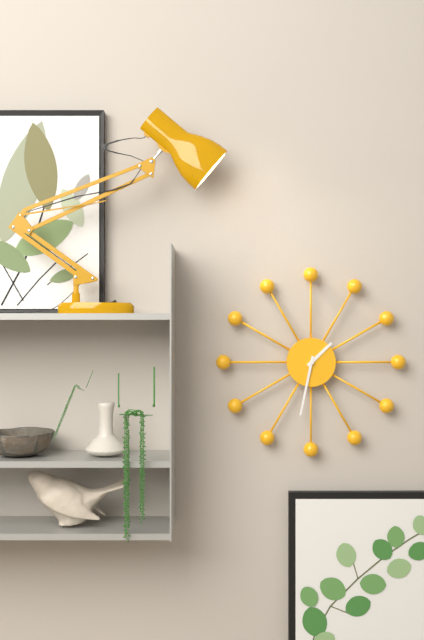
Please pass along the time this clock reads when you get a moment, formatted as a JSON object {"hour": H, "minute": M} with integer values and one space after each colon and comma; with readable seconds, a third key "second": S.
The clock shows {"hour": 1, "minute": 32}
